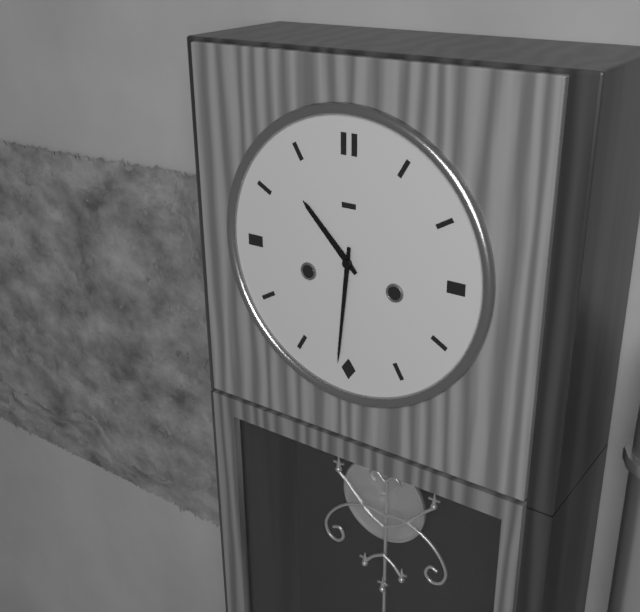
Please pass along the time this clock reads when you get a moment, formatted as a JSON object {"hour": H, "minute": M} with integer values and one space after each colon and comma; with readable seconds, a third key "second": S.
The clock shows {"hour": 10, "minute": 31}
